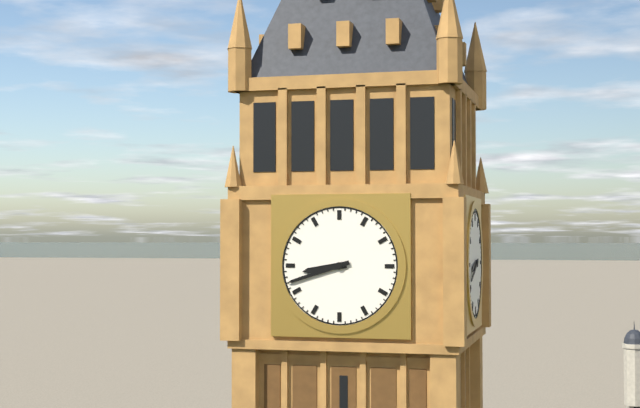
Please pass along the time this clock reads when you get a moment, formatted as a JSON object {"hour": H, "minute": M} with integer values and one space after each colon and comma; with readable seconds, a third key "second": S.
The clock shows {"hour": 8, "minute": 42}
